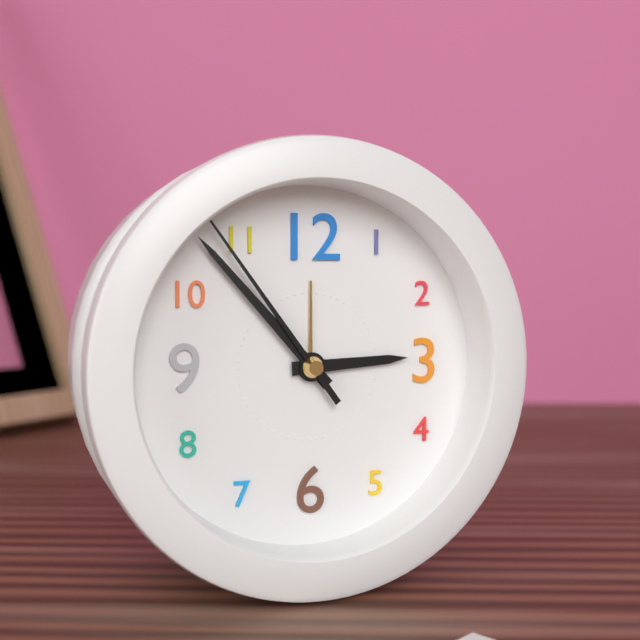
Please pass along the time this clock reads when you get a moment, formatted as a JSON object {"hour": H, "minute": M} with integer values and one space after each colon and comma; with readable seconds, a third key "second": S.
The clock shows {"hour": 2, "minute": 53, "second": 54}
